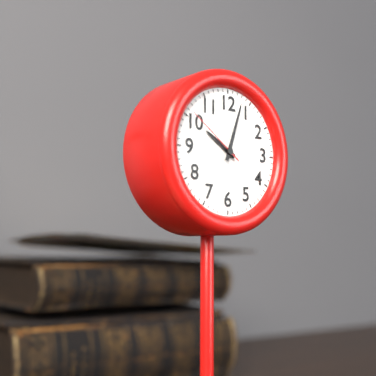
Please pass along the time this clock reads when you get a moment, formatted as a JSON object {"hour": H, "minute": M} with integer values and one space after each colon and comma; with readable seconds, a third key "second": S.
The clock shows {"hour": 10, "minute": 3, "second": 51}
